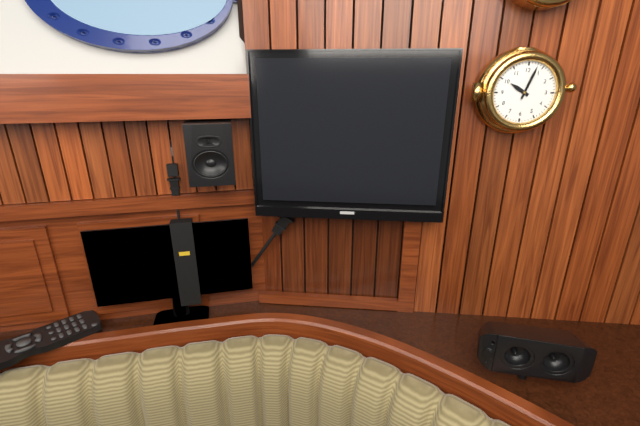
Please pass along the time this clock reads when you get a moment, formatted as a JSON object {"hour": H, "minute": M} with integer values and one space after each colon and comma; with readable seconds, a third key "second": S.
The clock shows {"hour": 10, "minute": 3}
